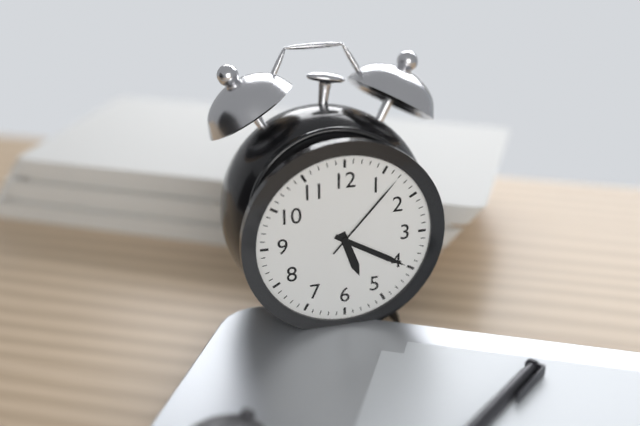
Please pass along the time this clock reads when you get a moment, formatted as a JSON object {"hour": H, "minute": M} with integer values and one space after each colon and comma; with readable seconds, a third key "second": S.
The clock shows {"hour": 5, "minute": 20, "second": 7}
